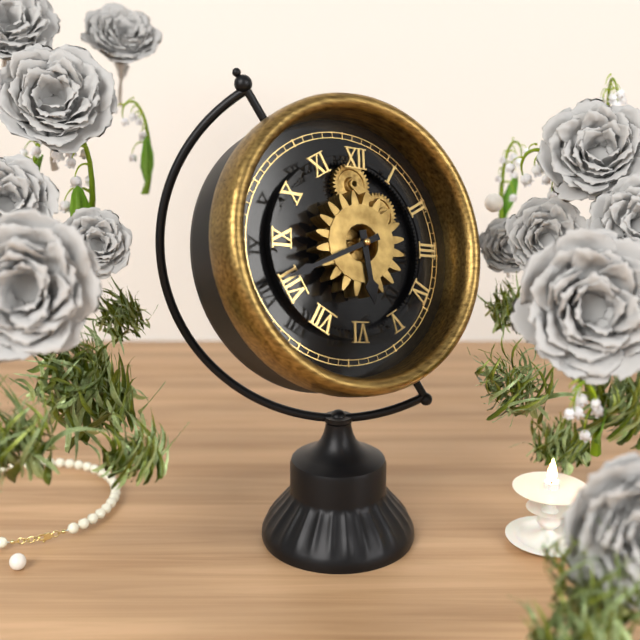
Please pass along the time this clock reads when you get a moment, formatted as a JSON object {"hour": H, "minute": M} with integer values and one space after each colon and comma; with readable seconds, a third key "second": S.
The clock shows {"hour": 5, "minute": 41}
